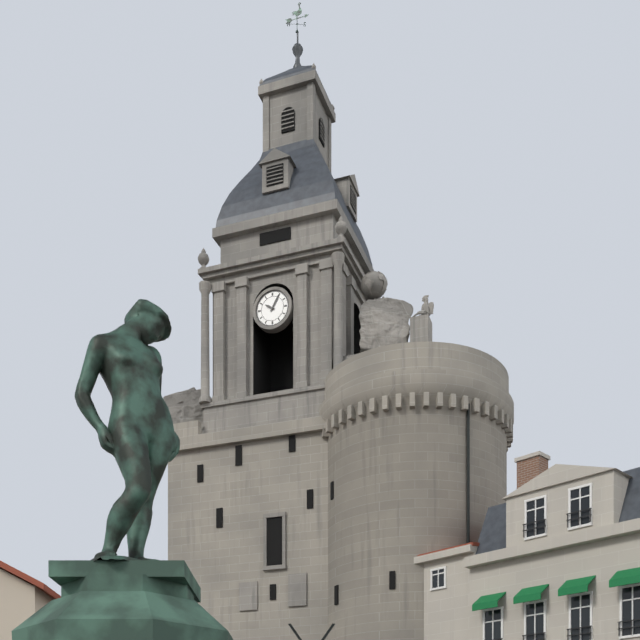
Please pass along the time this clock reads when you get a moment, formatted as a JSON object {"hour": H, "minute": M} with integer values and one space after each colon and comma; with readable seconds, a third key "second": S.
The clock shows {"hour": 10, "minute": 5}
